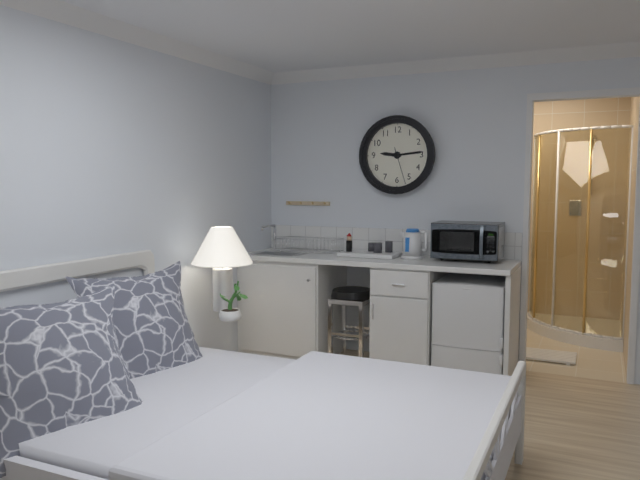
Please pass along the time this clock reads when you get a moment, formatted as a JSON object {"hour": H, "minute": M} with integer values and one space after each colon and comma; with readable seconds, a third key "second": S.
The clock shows {"hour": 9, "minute": 14}
